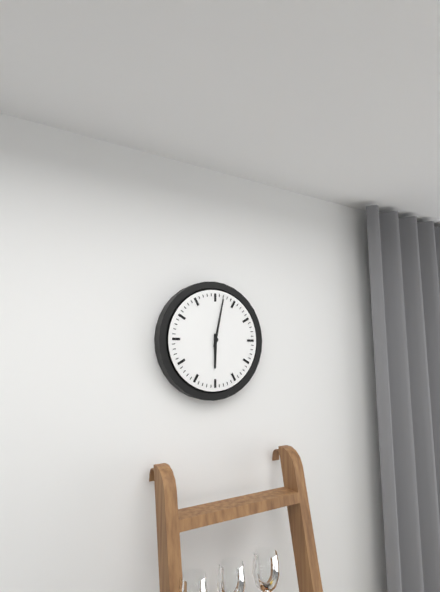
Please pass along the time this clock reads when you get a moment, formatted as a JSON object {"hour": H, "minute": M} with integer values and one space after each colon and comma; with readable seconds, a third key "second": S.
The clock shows {"hour": 6, "minute": 2}
